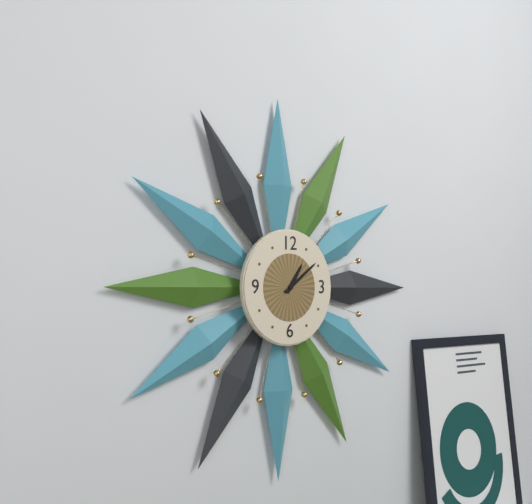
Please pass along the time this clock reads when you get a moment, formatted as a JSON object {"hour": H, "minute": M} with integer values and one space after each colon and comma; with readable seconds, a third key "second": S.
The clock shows {"hour": 1, "minute": 9}
